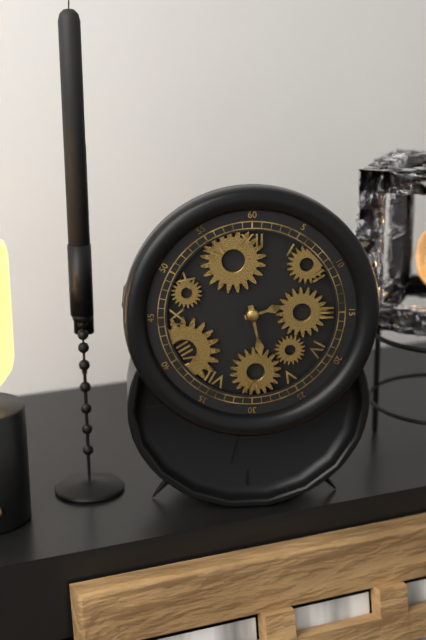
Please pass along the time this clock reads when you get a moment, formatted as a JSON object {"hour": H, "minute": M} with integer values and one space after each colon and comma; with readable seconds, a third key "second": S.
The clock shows {"hour": 2, "minute": 28}
